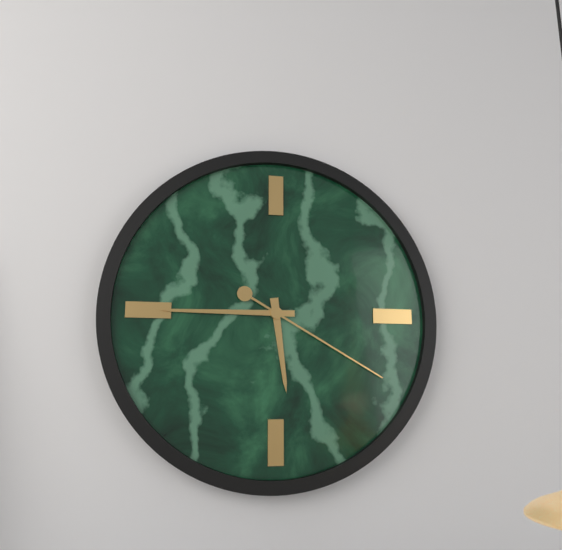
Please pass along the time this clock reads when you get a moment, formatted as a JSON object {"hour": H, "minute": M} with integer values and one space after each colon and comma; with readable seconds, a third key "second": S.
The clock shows {"hour": 5, "minute": 45, "second": 20}
